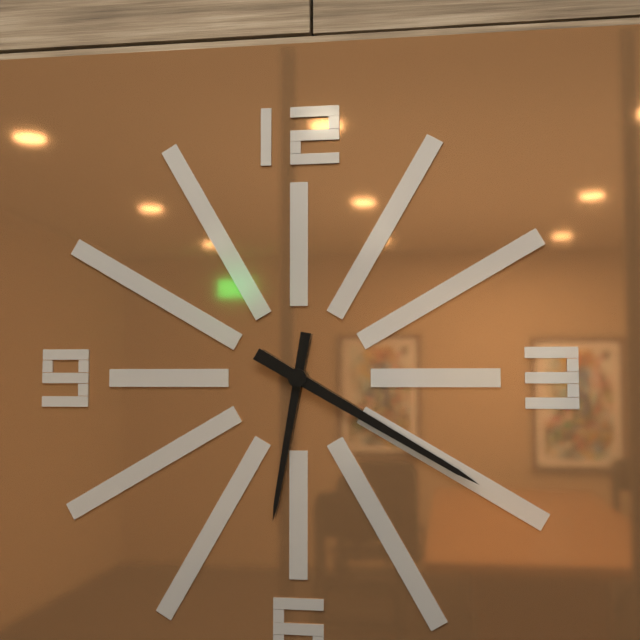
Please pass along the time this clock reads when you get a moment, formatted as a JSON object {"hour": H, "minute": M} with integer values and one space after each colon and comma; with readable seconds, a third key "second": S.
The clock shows {"hour": 6, "minute": 20}
